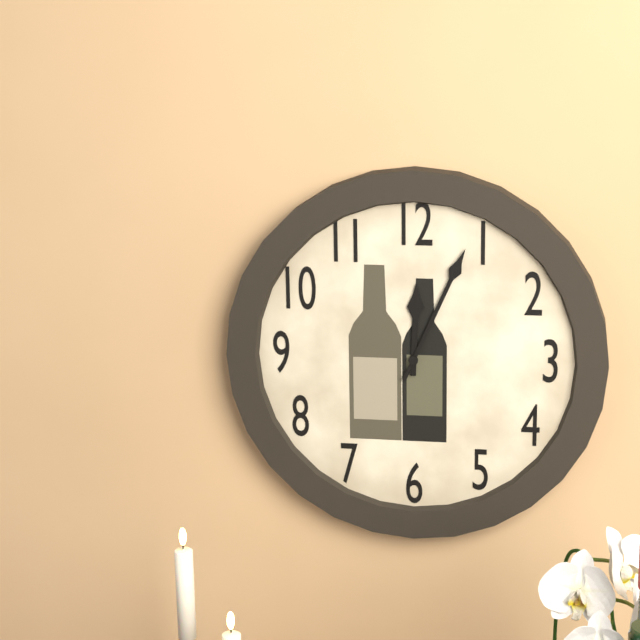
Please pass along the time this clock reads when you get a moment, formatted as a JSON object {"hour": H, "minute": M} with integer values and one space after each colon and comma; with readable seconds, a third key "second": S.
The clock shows {"hour": 12, "minute": 4}
